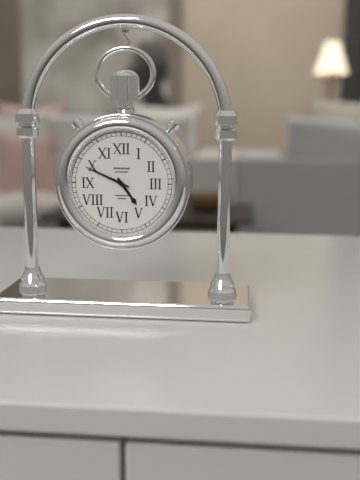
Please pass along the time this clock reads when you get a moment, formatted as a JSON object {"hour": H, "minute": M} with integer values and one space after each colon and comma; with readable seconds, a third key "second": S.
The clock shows {"hour": 4, "minute": 49}
